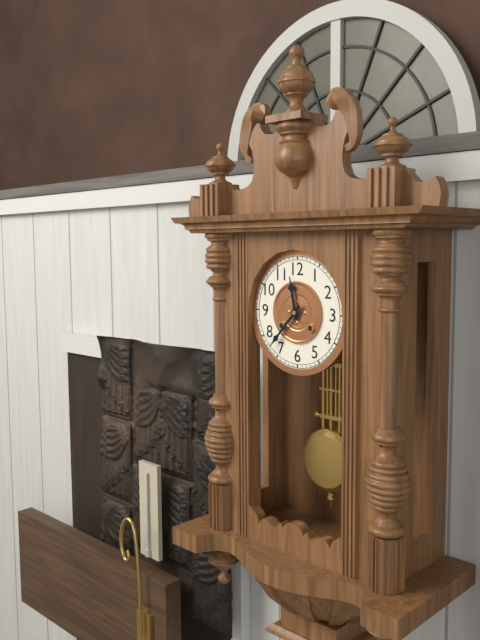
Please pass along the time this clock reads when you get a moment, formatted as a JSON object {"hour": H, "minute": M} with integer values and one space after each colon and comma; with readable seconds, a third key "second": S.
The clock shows {"hour": 11, "minute": 37}
